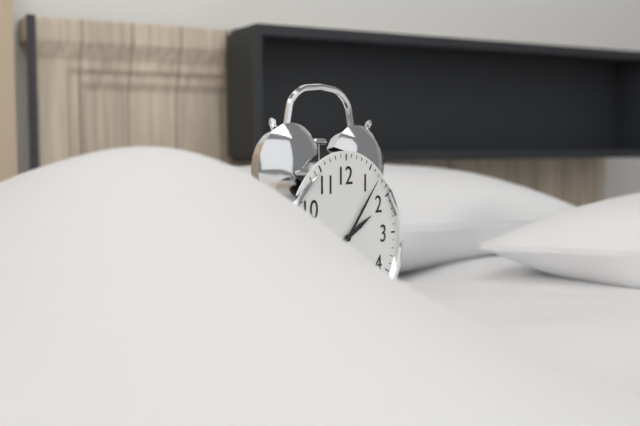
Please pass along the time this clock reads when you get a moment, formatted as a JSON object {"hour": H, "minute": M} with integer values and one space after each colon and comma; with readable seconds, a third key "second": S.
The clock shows {"hour": 2, "minute": 7}
